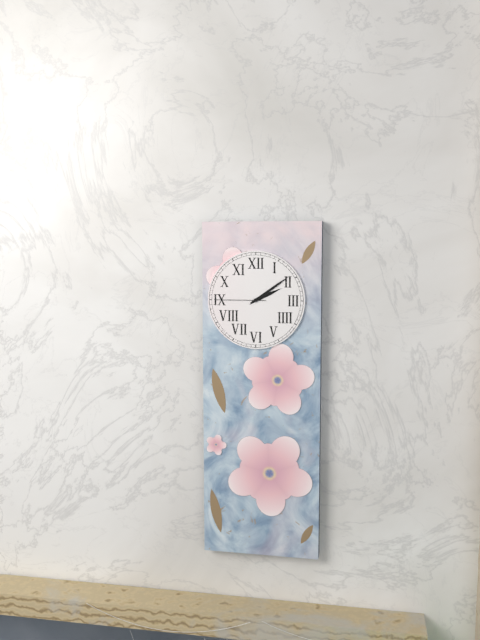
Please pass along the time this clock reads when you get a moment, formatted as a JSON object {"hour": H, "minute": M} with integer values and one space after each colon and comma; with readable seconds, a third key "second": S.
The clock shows {"hour": 2, "minute": 9, "second": 45}
